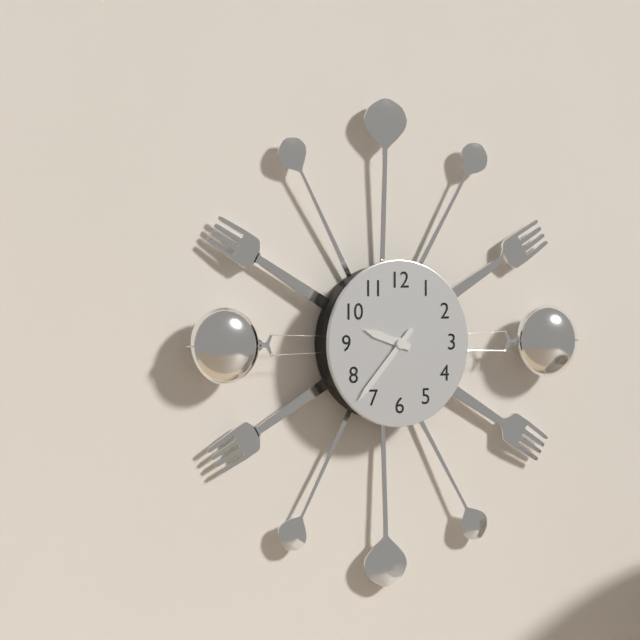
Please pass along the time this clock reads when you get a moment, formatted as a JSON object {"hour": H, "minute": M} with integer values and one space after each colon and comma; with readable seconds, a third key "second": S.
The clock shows {"hour": 9, "minute": 37}
